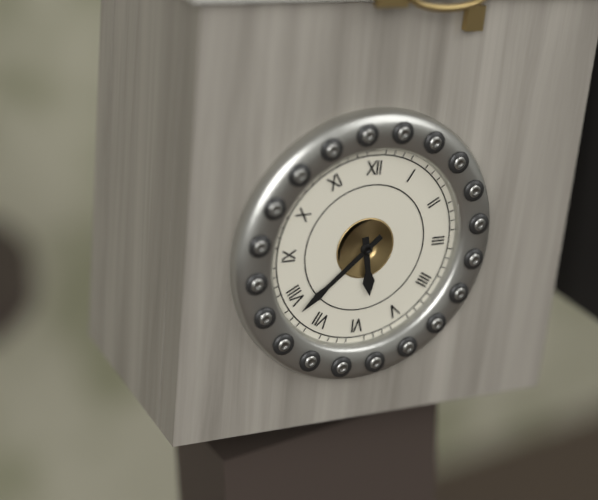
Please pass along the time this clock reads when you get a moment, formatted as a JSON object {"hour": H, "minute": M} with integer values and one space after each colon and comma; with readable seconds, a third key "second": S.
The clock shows {"hour": 5, "minute": 38}
